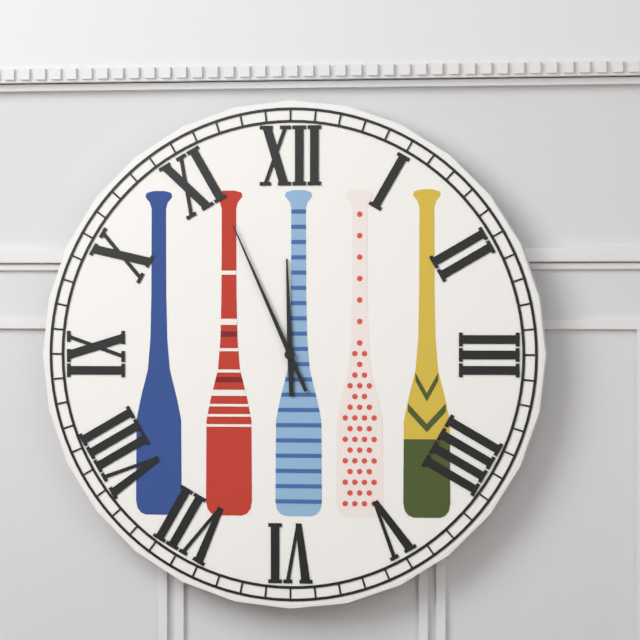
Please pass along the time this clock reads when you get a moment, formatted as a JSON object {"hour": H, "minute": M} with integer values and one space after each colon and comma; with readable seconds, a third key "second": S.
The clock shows {"hour": 11, "minute": 56}
